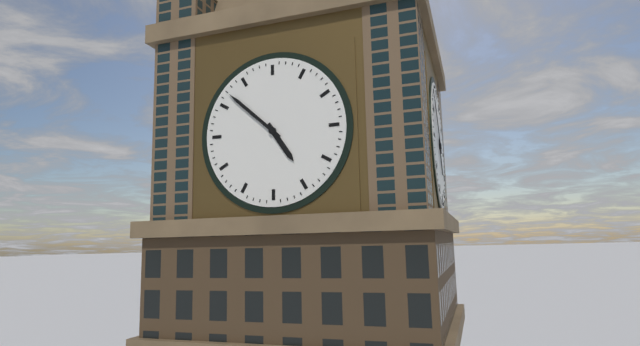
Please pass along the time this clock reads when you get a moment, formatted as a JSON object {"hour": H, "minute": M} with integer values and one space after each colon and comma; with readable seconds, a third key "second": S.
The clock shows {"hour": 4, "minute": 52}
